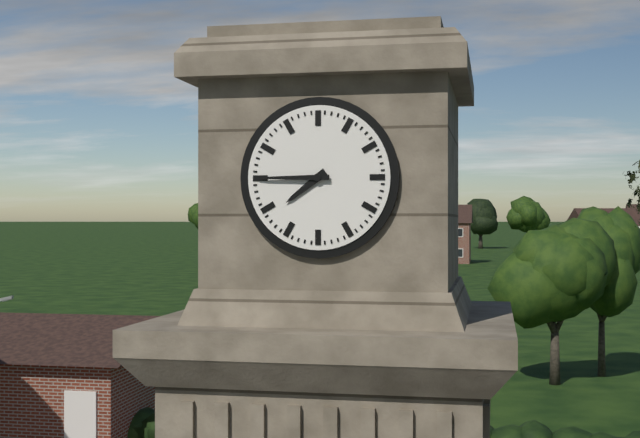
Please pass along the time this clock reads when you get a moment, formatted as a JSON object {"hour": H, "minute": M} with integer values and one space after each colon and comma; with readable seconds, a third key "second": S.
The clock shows {"hour": 7, "minute": 45}
